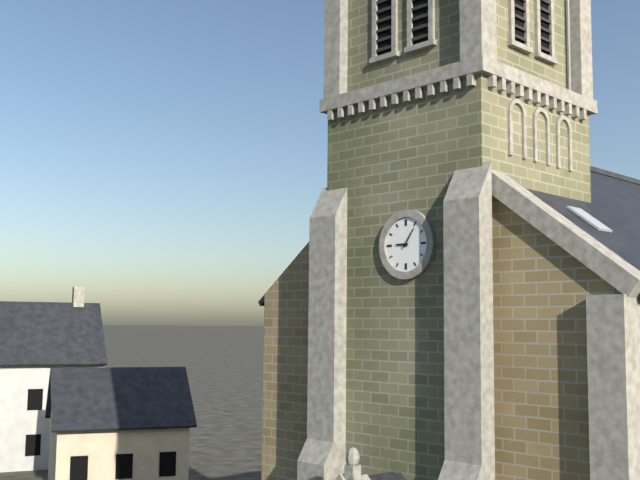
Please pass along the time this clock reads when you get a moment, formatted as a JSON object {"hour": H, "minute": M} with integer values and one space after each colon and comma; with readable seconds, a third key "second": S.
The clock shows {"hour": 9, "minute": 6}
